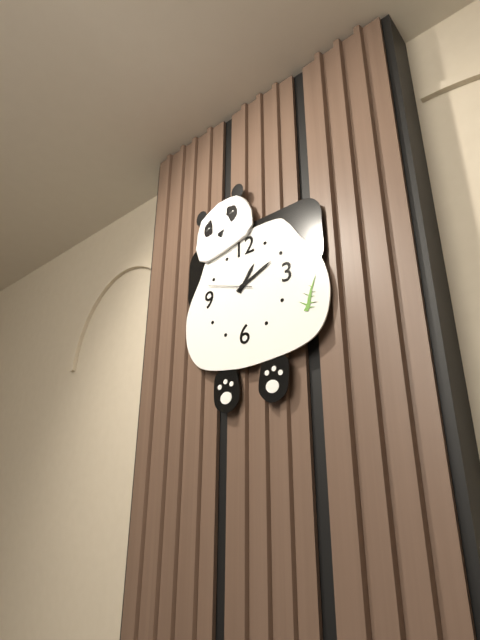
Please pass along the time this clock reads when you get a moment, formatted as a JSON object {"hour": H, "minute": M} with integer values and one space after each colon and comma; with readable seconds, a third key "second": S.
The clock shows {"hour": 1, "minute": 11}
